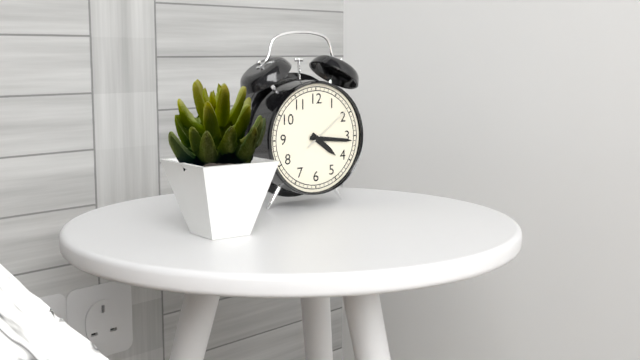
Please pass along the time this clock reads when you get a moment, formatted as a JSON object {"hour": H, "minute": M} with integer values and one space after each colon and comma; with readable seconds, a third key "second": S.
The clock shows {"hour": 4, "minute": 16, "second": 9}
